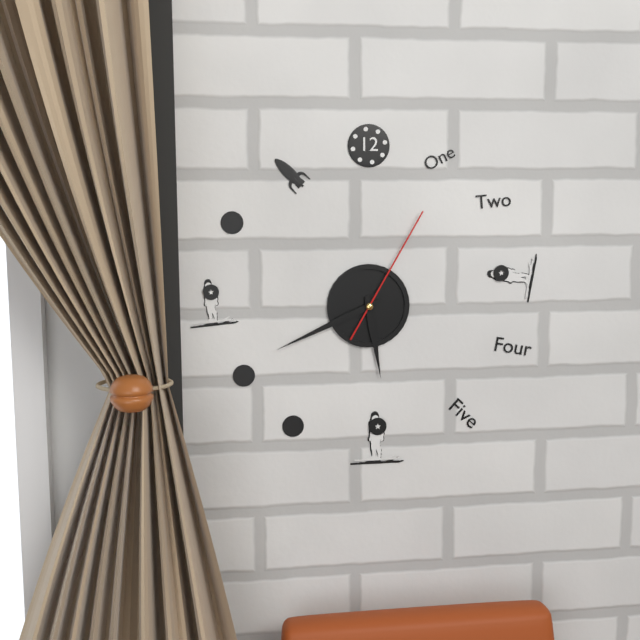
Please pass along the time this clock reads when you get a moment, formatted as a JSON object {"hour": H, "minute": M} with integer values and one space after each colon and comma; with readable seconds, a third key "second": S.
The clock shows {"hour": 5, "minute": 41, "second": 5}
